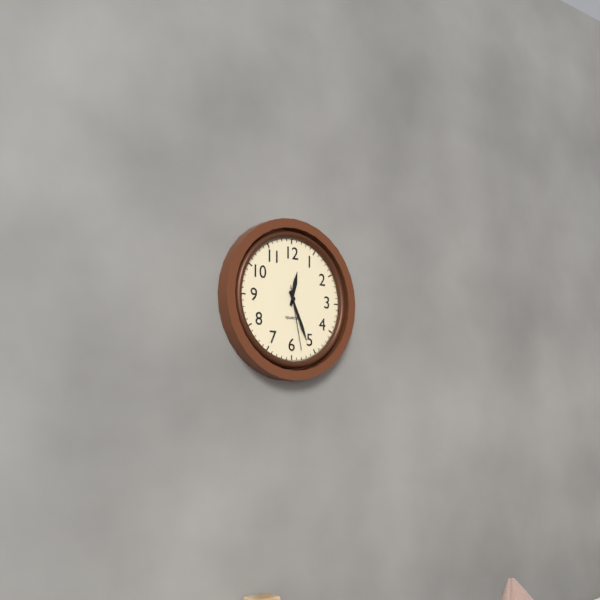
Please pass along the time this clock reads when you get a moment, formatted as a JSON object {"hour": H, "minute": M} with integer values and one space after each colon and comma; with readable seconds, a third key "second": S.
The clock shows {"hour": 12, "minute": 26, "second": 28}
